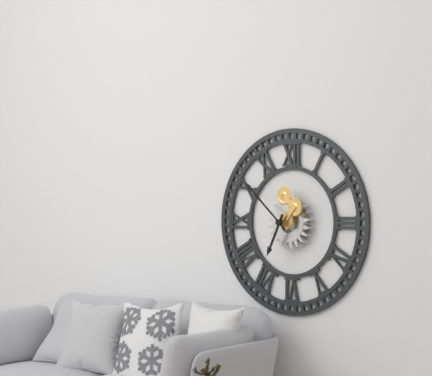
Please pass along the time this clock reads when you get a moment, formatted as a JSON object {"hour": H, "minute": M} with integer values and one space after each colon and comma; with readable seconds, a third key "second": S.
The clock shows {"hour": 6, "minute": 52}
